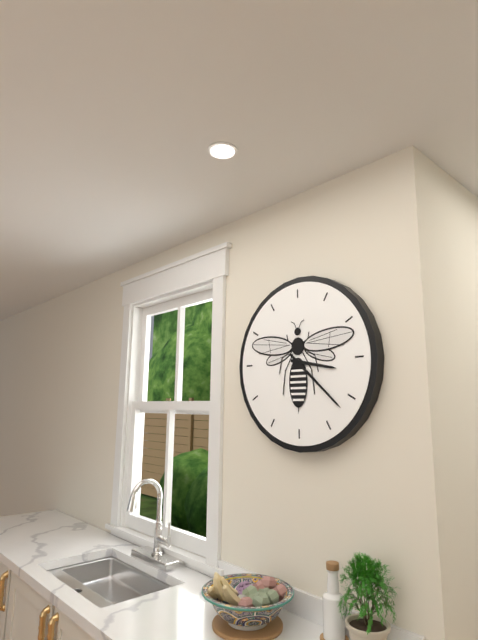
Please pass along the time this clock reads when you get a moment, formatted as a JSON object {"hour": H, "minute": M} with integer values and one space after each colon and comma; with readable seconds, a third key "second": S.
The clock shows {"hour": 3, "minute": 22}
